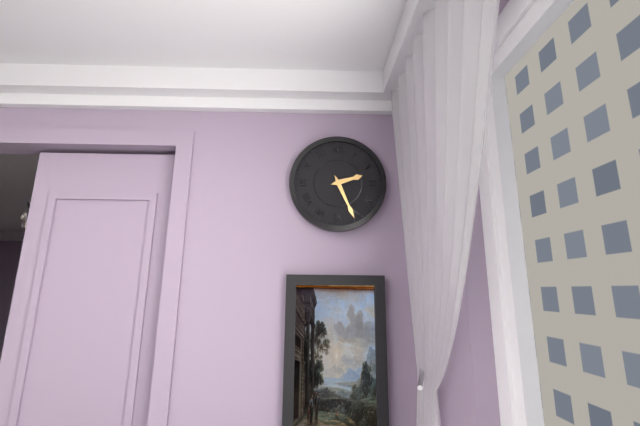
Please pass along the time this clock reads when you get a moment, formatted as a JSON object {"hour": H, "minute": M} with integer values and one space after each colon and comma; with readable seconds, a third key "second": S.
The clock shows {"hour": 2, "minute": 26}
